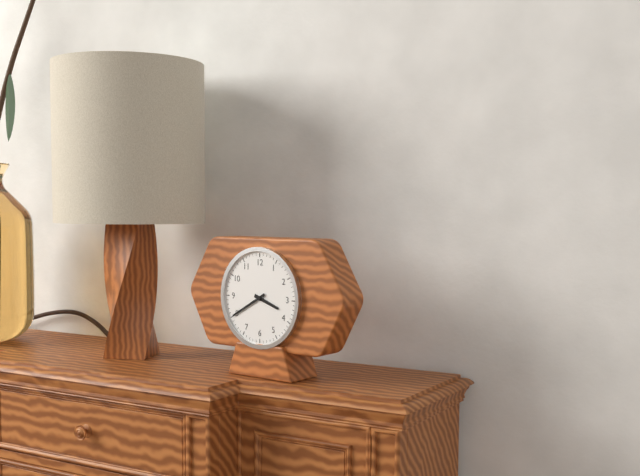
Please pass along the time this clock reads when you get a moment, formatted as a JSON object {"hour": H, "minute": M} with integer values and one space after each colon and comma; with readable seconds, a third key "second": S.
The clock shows {"hour": 3, "minute": 40}
